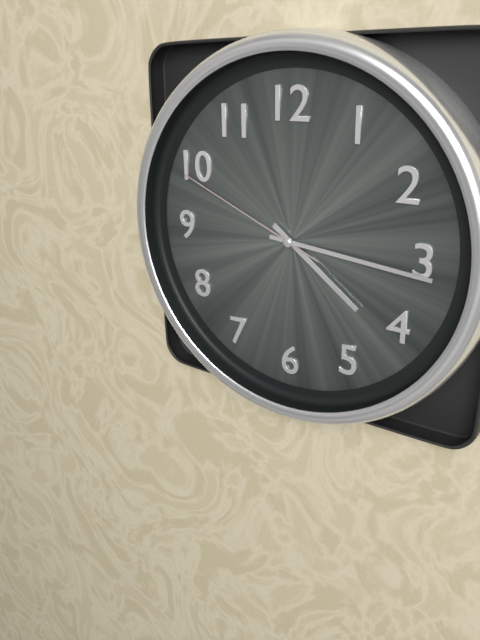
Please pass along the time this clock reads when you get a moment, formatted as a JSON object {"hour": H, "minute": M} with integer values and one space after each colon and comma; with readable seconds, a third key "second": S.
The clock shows {"hour": 4, "minute": 16, "second": 49}
